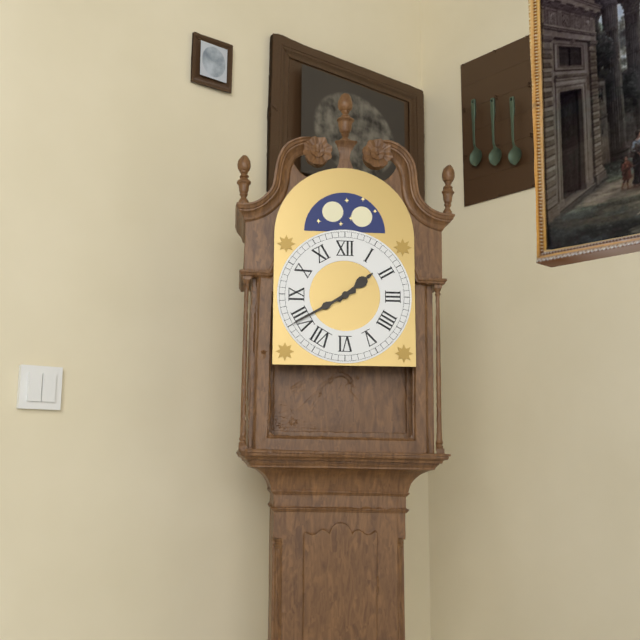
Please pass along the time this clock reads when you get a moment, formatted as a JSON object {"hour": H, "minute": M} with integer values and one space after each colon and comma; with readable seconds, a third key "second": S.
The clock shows {"hour": 1, "minute": 40}
